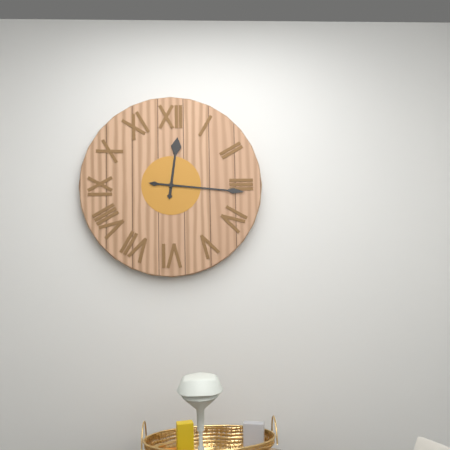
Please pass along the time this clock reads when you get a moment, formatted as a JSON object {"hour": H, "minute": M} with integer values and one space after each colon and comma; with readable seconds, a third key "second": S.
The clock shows {"hour": 12, "minute": 16}
